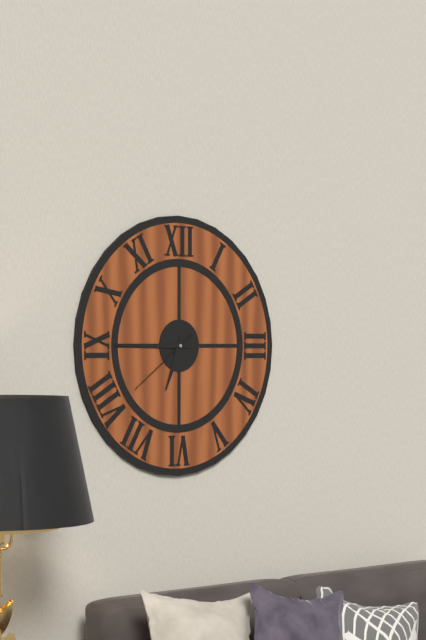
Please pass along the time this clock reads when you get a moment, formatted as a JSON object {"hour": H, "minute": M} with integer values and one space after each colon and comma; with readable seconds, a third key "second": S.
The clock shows {"hour": 6, "minute": 45, "second": 39}
